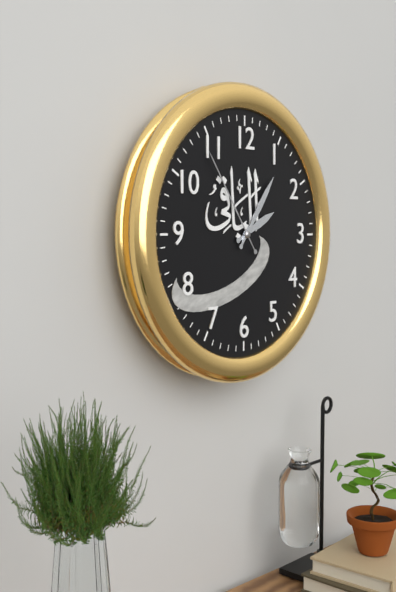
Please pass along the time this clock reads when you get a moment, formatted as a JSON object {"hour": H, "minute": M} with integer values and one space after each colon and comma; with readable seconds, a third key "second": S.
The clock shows {"hour": 2, "minute": 6, "second": 54}
